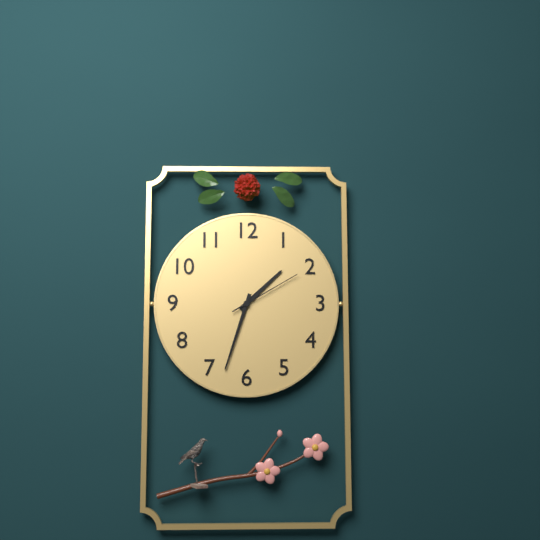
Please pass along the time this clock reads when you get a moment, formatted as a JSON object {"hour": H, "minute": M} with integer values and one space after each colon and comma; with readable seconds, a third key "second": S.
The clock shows {"hour": 1, "minute": 33, "second": 10}
